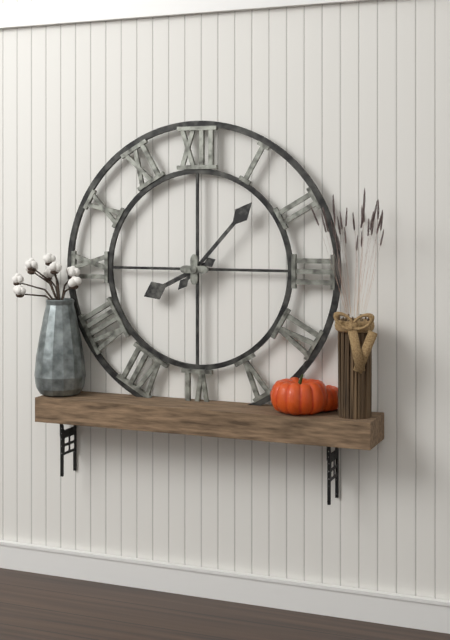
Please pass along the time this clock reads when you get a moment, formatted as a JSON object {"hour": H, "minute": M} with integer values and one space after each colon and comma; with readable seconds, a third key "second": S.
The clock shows {"hour": 8, "minute": 7}
